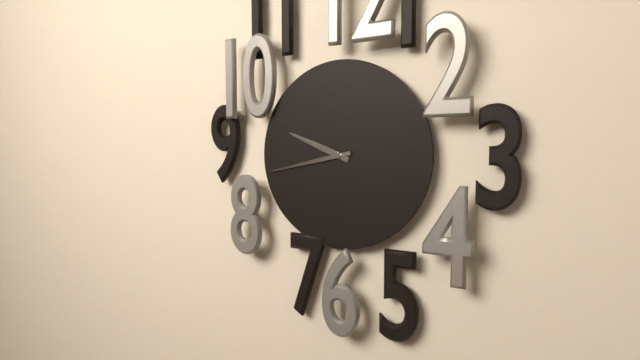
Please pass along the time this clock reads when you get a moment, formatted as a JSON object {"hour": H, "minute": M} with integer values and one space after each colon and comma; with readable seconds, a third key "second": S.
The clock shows {"hour": 9, "minute": 43}
